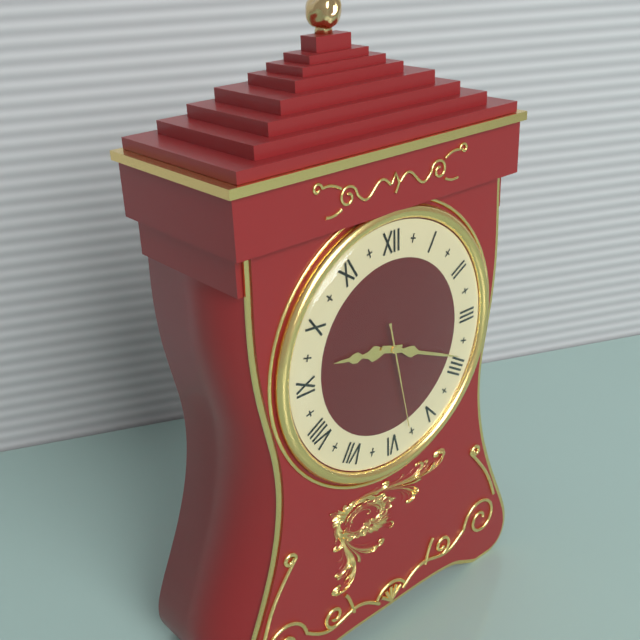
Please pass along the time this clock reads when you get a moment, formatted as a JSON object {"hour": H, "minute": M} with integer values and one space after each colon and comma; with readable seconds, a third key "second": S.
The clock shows {"hour": 9, "minute": 19, "second": 28}
